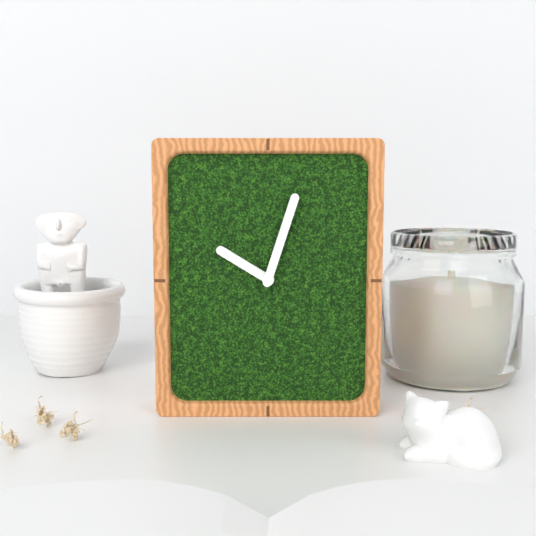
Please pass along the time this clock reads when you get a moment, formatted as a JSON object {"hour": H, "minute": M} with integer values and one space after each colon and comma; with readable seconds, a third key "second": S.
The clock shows {"hour": 10, "minute": 3}
